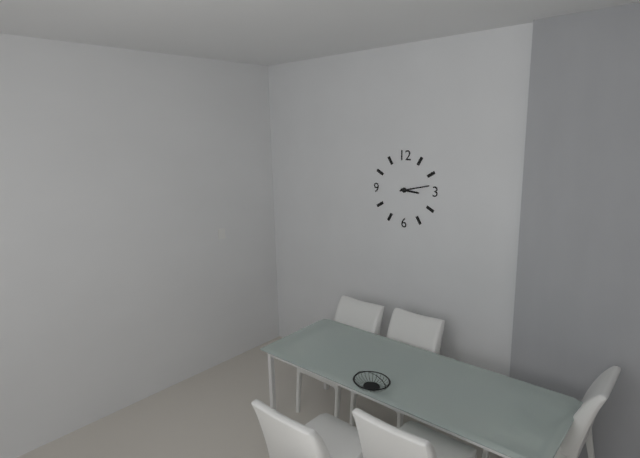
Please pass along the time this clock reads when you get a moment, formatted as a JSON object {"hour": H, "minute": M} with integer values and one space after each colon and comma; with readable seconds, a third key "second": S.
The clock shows {"hour": 3, "minute": 13}
